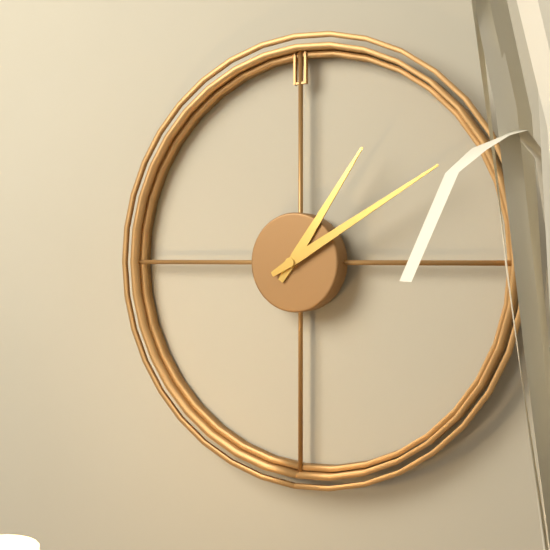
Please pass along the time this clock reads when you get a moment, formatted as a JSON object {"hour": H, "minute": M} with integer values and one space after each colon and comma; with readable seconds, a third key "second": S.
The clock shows {"hour": 1, "minute": 10}
